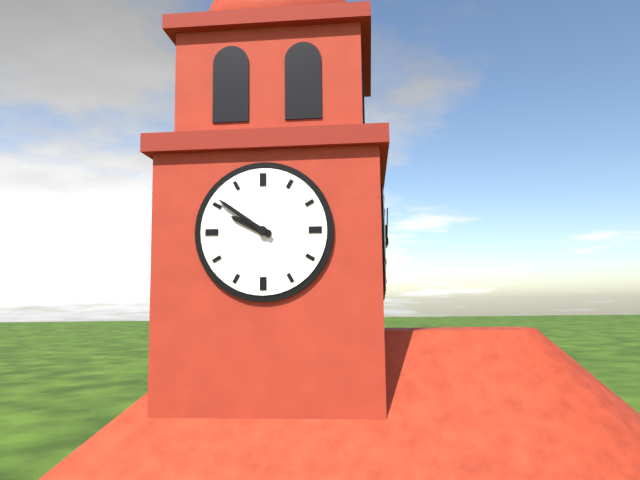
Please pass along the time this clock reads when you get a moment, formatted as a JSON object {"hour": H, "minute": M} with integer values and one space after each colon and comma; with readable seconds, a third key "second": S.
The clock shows {"hour": 9, "minute": 51}
